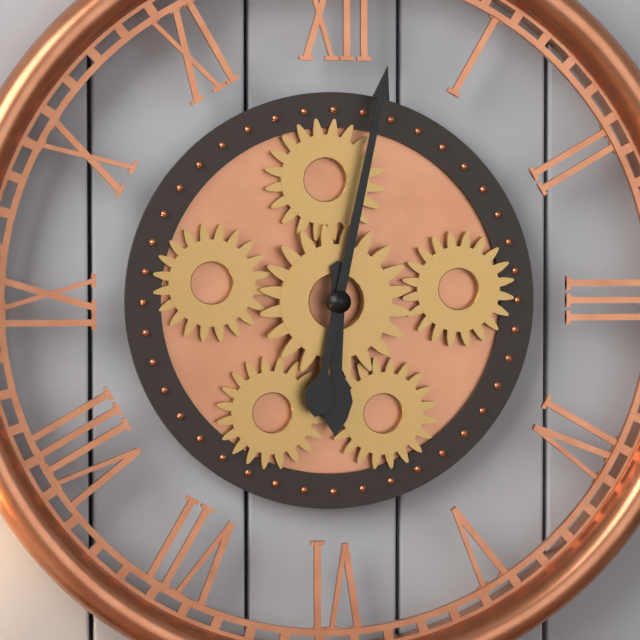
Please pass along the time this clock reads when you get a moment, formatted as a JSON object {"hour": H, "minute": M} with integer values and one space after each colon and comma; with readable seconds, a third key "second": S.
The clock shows {"hour": 6, "minute": 2}
